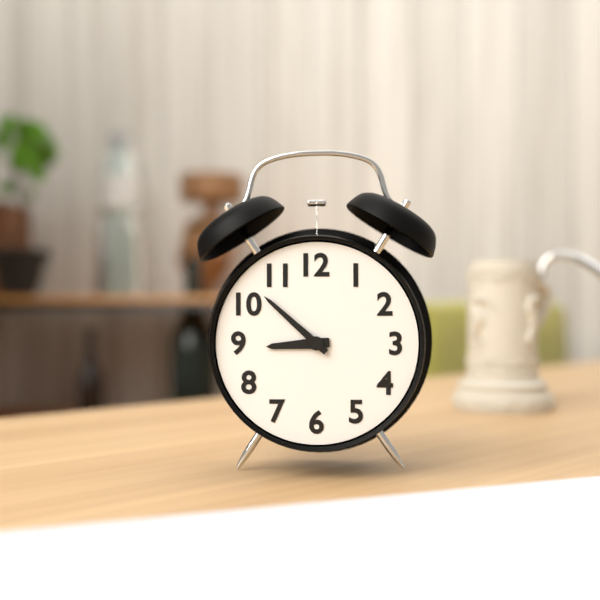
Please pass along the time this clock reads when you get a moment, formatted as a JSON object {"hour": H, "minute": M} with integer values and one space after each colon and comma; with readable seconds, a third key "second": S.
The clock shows {"hour": 8, "minute": 52}
